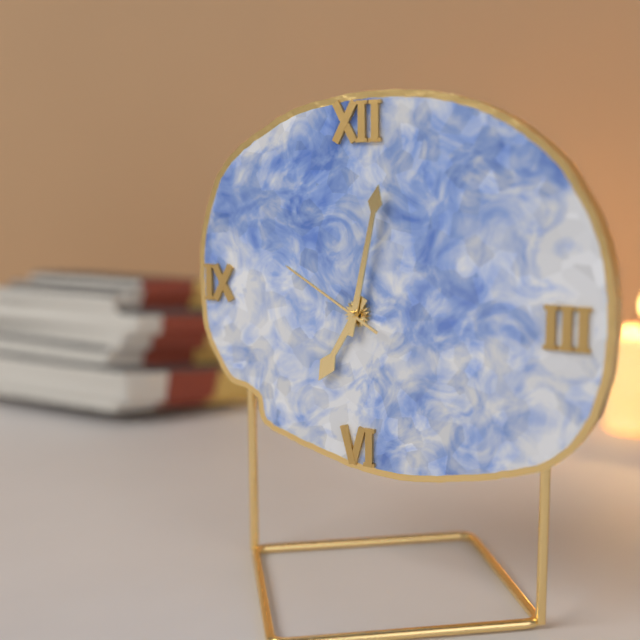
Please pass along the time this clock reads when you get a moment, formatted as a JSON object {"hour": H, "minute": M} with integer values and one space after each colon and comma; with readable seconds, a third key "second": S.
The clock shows {"hour": 7, "minute": 2, "second": 50}
